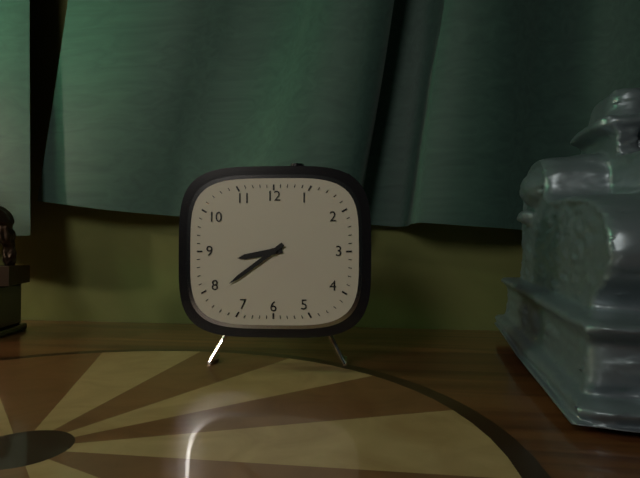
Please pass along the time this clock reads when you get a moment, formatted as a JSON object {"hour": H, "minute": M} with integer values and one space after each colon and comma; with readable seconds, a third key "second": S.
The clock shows {"hour": 8, "minute": 39}
